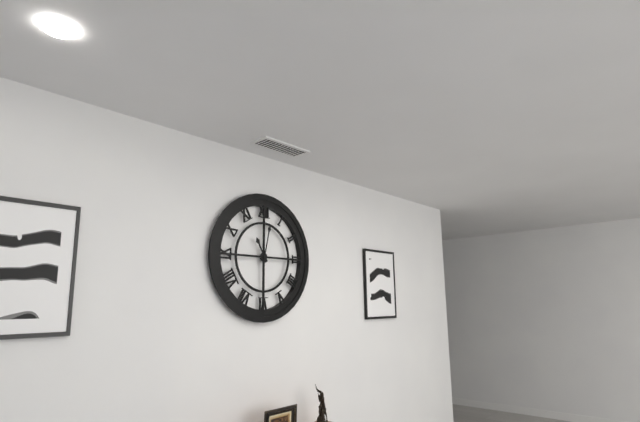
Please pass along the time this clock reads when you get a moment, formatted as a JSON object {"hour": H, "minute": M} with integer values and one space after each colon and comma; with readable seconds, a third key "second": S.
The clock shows {"hour": 11, "minute": 2}
